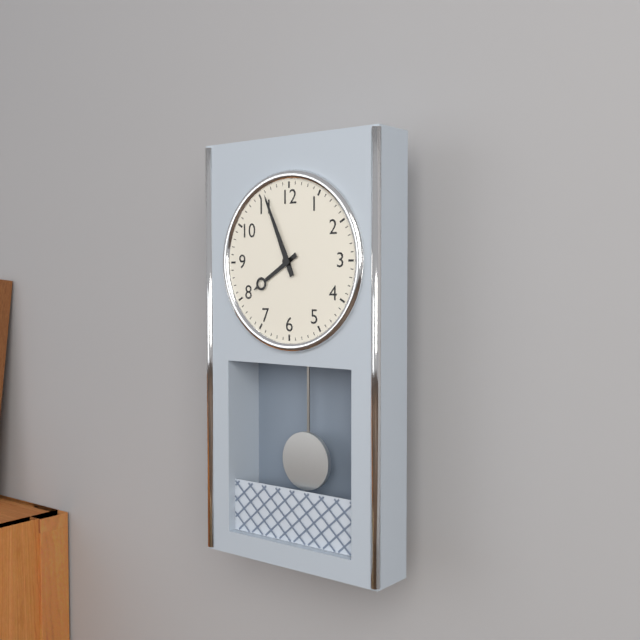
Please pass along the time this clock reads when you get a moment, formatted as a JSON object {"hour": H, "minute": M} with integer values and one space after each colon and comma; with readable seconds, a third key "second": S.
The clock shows {"hour": 7, "minute": 56}
